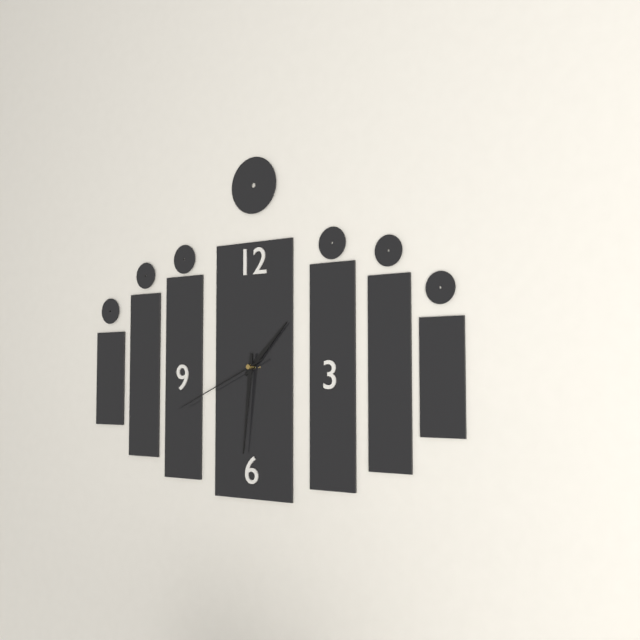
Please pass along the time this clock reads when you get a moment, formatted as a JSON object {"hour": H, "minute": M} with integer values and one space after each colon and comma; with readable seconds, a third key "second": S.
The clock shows {"hour": 1, "minute": 31, "second": 41}
